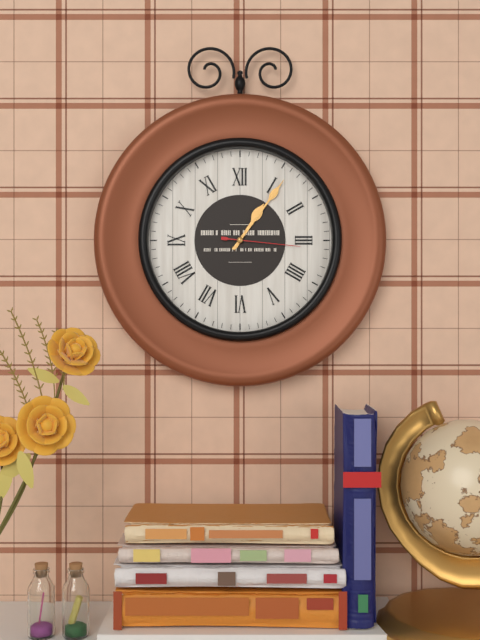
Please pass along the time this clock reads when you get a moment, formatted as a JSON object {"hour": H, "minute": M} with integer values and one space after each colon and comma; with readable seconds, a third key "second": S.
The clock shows {"hour": 1, "minute": 6, "second": 16}
